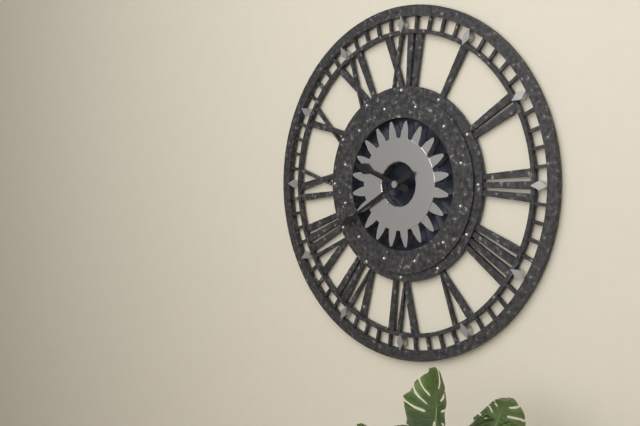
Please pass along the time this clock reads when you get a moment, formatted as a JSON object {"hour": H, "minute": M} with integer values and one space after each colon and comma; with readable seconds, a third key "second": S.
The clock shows {"hour": 9, "minute": 40}
